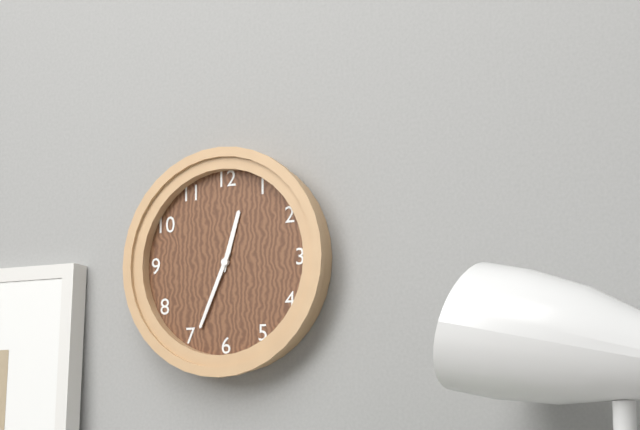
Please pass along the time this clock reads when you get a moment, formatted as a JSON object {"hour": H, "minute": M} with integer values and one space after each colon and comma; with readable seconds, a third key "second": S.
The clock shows {"hour": 12, "minute": 34}
